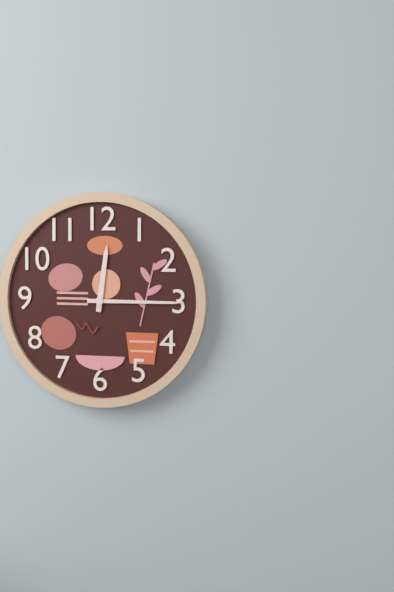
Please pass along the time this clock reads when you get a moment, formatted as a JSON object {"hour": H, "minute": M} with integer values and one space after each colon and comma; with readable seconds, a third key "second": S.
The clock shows {"hour": 12, "minute": 15}
